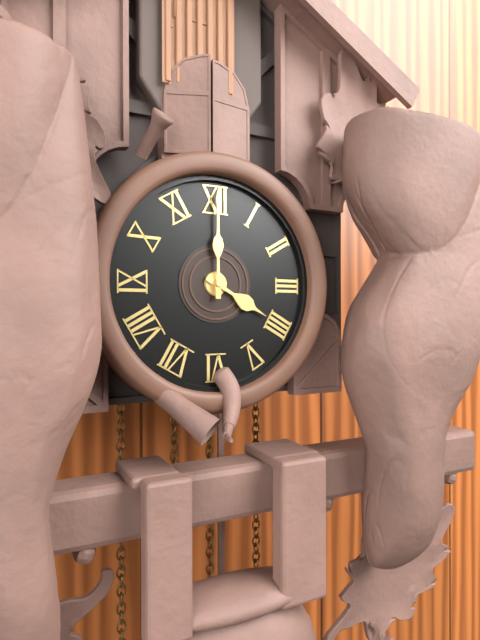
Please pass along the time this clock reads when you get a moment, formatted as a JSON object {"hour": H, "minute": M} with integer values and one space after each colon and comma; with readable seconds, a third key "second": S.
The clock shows {"hour": 4, "minute": 0}
